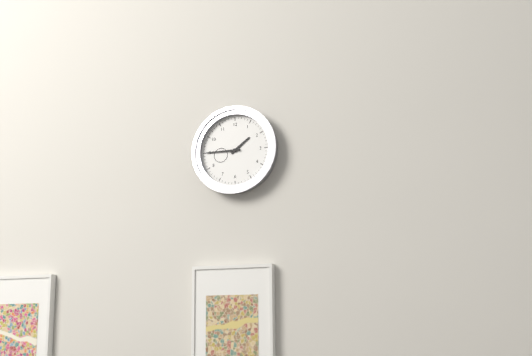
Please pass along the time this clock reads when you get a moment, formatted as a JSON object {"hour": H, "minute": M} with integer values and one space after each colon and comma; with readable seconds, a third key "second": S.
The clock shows {"hour": 1, "minute": 45}
